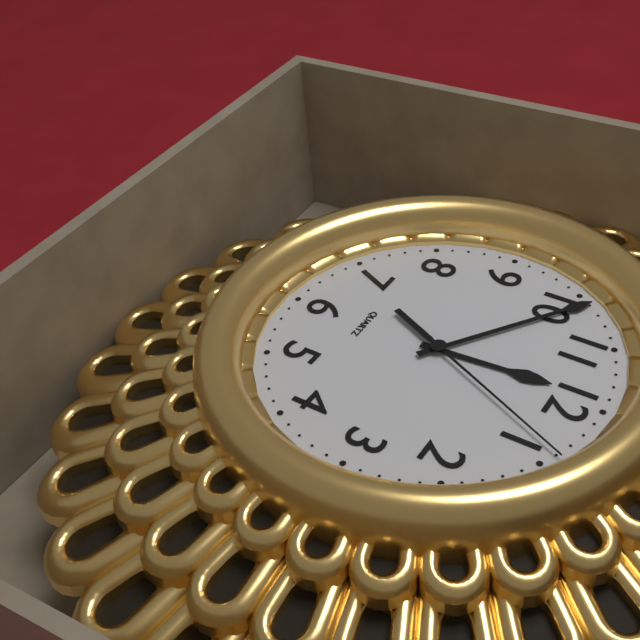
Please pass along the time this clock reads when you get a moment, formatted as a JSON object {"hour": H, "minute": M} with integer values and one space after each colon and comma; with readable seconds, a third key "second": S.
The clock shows {"hour": 11, "minute": 51, "second": 4}
